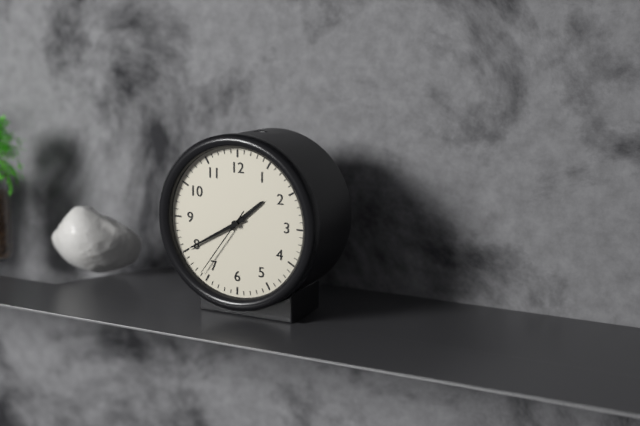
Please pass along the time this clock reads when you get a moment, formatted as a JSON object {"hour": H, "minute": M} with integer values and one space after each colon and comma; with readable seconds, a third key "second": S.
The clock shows {"hour": 1, "minute": 40, "second": 36}
